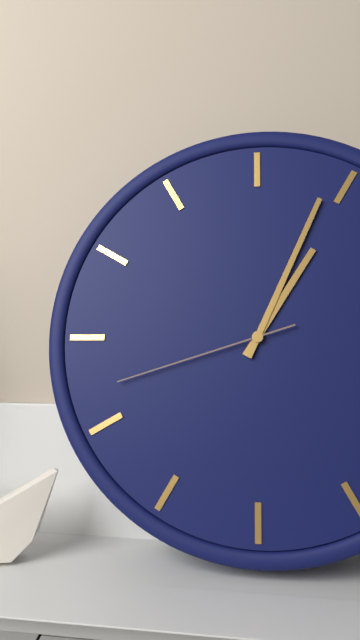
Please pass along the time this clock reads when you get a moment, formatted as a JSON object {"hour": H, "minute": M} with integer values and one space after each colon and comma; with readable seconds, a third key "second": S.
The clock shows {"hour": 1, "minute": 4, "second": 42}
